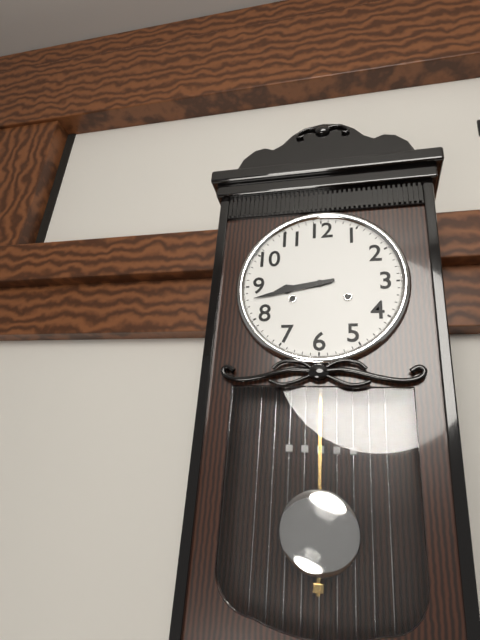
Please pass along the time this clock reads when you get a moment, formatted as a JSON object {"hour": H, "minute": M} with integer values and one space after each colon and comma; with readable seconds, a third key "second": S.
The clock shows {"hour": 8, "minute": 43}
